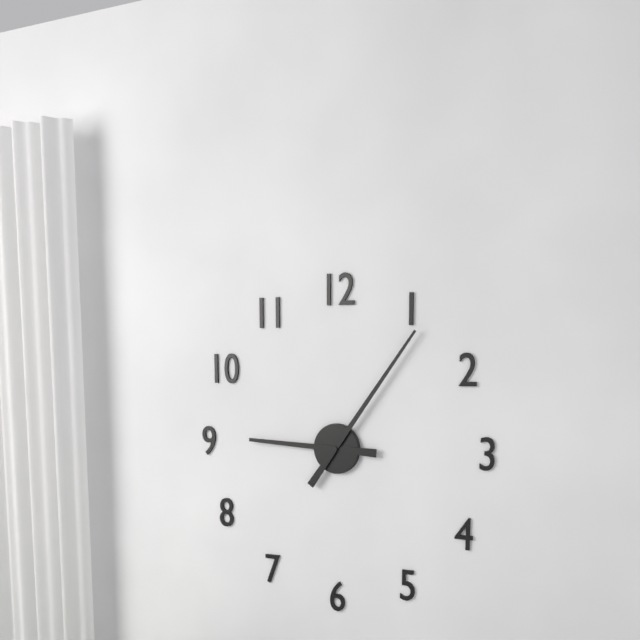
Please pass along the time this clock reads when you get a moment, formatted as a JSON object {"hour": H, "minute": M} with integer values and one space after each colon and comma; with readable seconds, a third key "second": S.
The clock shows {"hour": 9, "minute": 6}
